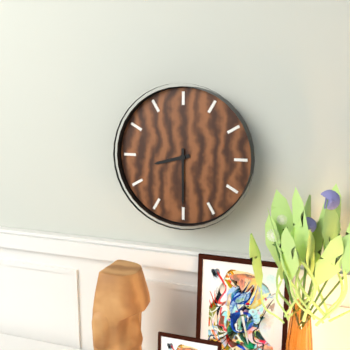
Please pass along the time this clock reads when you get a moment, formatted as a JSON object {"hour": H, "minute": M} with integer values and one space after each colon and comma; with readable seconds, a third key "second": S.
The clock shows {"hour": 8, "minute": 30}
